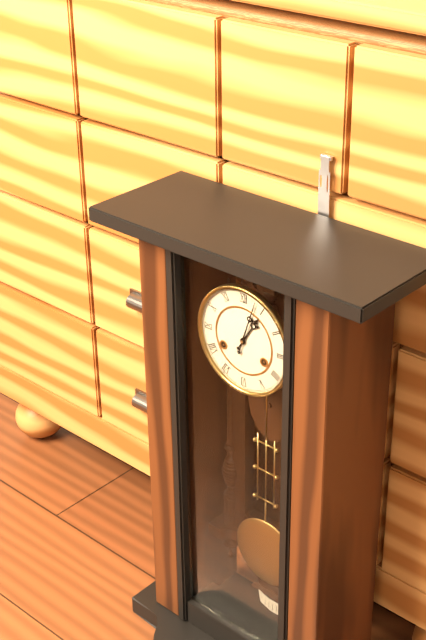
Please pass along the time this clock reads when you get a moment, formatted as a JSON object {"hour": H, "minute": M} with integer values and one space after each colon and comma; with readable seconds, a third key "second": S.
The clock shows {"hour": 1, "minute": 3}
